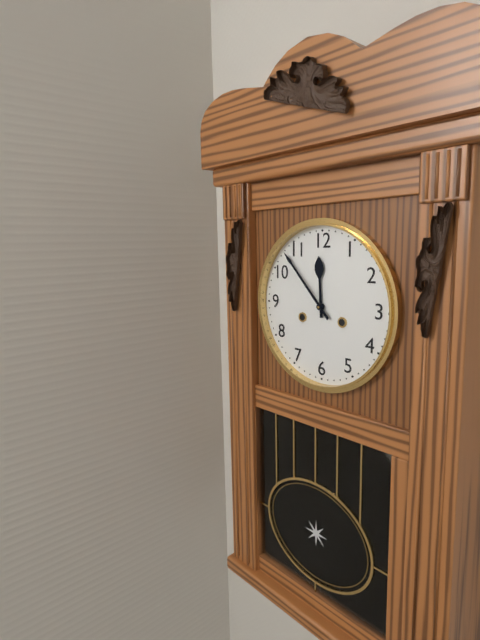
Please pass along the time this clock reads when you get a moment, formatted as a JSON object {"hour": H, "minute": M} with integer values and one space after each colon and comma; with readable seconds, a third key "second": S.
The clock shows {"hour": 11, "minute": 53}
